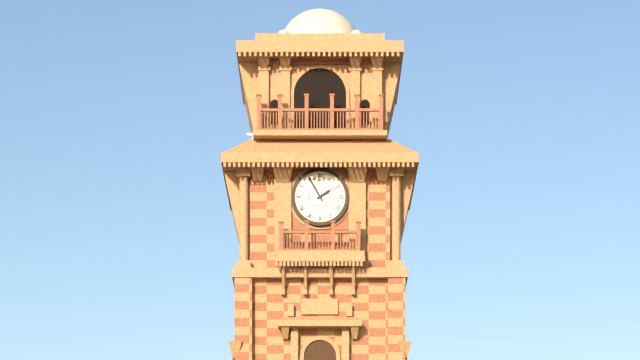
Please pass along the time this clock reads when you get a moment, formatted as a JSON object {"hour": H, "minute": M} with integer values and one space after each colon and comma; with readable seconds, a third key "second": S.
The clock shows {"hour": 1, "minute": 55}
